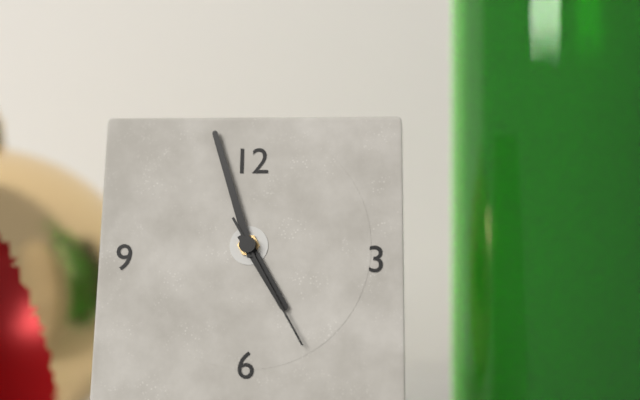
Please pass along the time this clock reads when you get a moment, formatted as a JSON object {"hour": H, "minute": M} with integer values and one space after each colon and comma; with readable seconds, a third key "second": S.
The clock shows {"hour": 4, "minute": 57, "second": 25}
